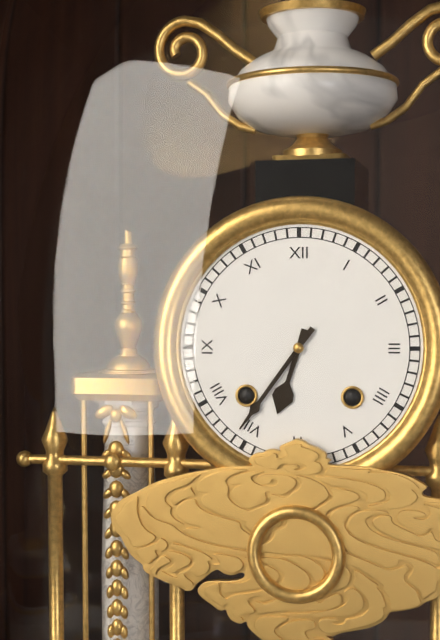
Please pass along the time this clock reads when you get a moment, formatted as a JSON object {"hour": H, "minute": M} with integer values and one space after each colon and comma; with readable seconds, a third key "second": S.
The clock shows {"hour": 6, "minute": 36}
